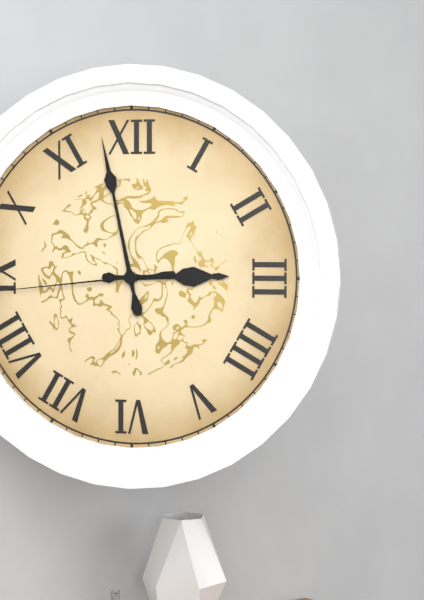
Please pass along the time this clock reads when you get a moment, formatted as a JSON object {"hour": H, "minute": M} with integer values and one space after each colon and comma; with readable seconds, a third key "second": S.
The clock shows {"hour": 2, "minute": 58}
